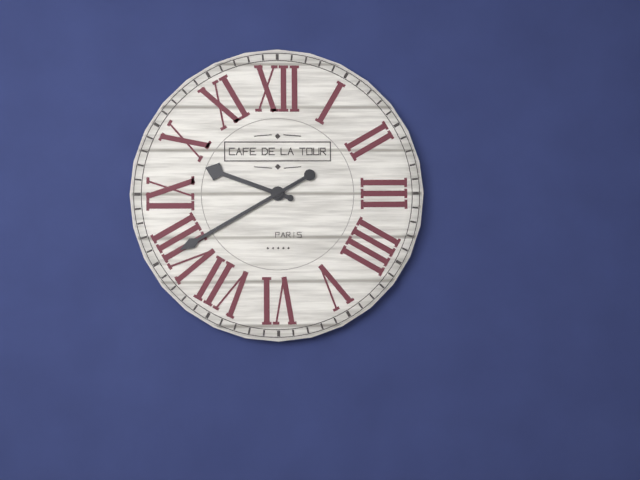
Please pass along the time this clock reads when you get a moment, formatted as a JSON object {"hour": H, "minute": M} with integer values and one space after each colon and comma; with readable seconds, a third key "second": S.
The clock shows {"hour": 9, "minute": 40}
